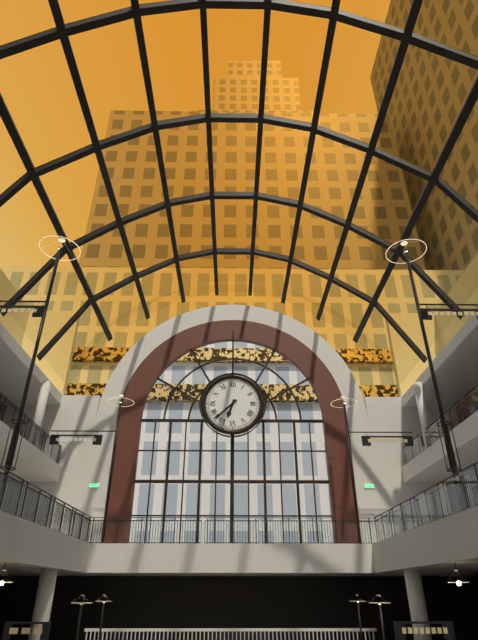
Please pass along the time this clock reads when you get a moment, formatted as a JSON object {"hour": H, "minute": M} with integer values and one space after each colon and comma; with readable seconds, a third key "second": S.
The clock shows {"hour": 6, "minute": 38}
